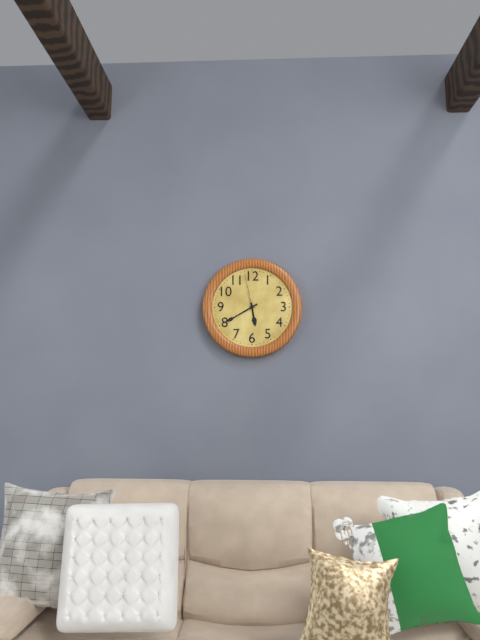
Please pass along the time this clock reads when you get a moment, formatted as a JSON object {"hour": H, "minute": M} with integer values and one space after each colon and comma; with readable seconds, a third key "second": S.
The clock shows {"hour": 5, "minute": 40}
